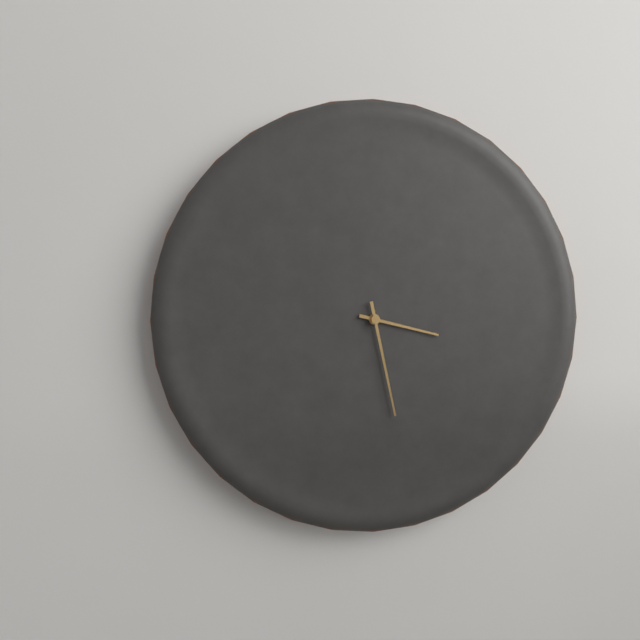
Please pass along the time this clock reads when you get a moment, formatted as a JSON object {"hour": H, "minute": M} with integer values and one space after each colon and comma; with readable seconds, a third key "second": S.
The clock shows {"hour": 3, "minute": 28}
